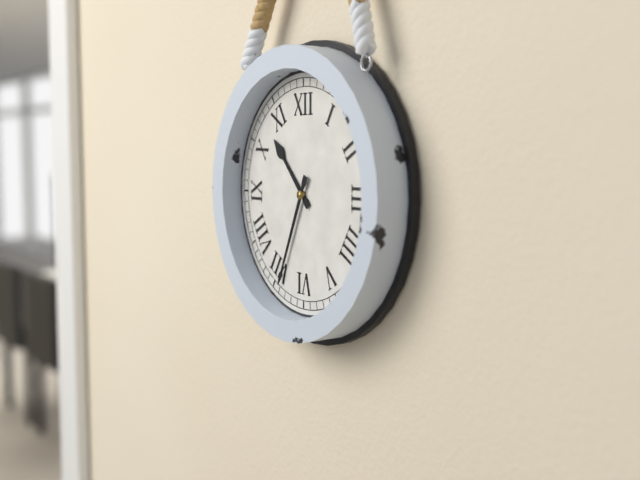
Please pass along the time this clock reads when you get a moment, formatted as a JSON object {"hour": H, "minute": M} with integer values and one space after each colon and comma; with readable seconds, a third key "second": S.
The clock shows {"hour": 10, "minute": 34}
